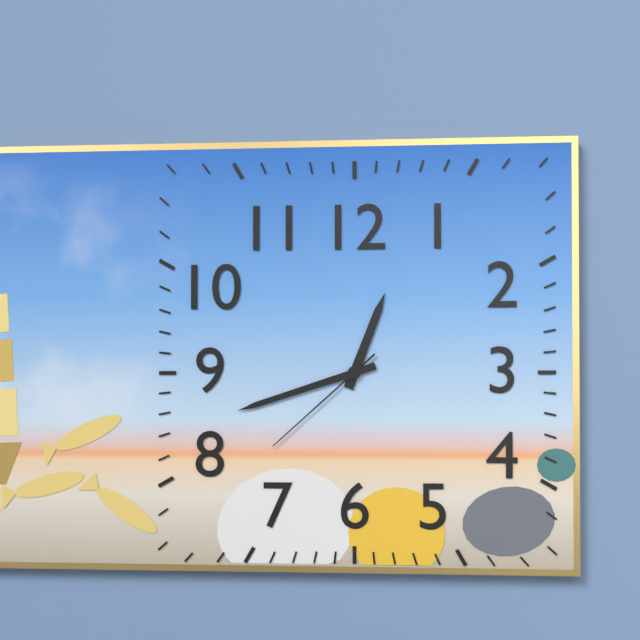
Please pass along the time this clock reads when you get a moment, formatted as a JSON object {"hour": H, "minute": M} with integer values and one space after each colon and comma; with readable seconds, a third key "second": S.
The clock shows {"hour": 12, "minute": 42, "second": 38}
